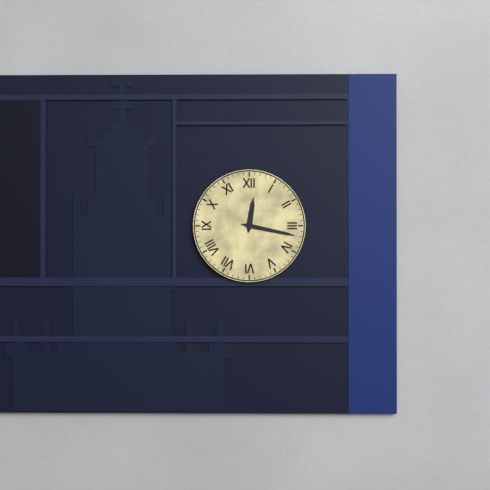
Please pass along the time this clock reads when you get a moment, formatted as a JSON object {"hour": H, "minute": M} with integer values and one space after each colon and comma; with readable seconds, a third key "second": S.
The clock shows {"hour": 12, "minute": 17}
